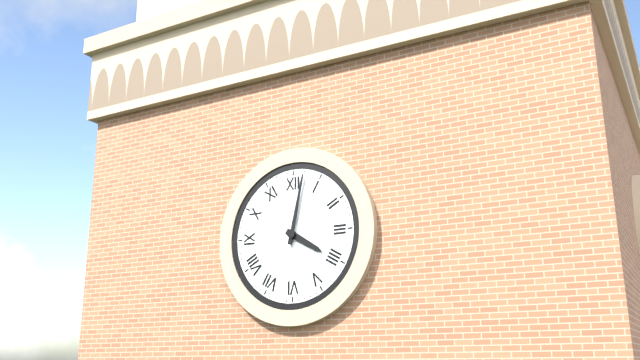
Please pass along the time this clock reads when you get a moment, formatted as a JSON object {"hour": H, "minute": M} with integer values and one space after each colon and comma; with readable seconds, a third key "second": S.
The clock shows {"hour": 4, "minute": 2}
